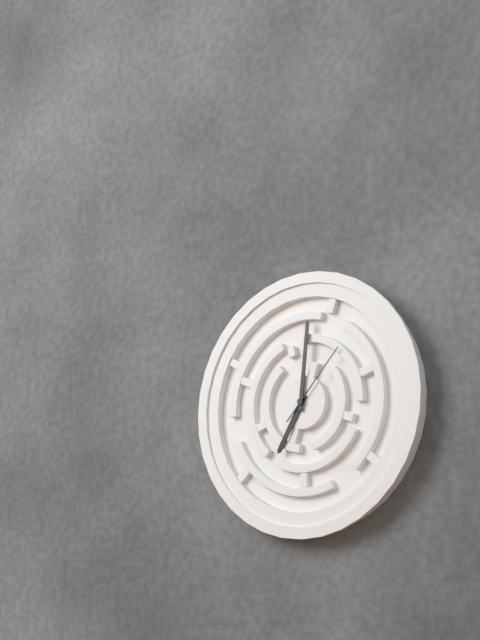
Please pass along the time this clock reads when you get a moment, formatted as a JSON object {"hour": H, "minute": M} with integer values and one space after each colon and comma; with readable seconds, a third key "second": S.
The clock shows {"hour": 7, "minute": 1, "second": 7}
